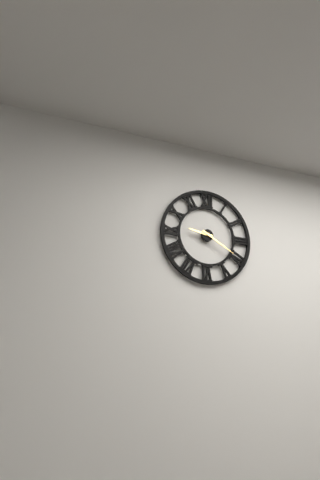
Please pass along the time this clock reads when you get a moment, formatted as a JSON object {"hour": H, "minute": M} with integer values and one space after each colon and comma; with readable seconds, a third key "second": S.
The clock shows {"hour": 9, "minute": 20}
